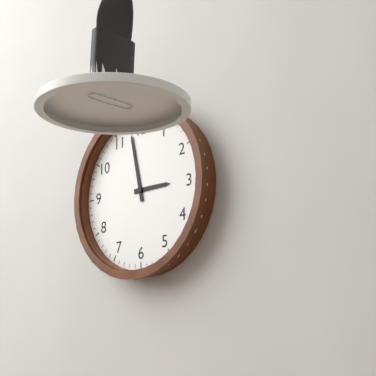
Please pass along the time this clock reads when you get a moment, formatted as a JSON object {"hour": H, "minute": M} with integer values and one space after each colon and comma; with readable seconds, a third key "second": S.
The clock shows {"hour": 2, "minute": 58}
